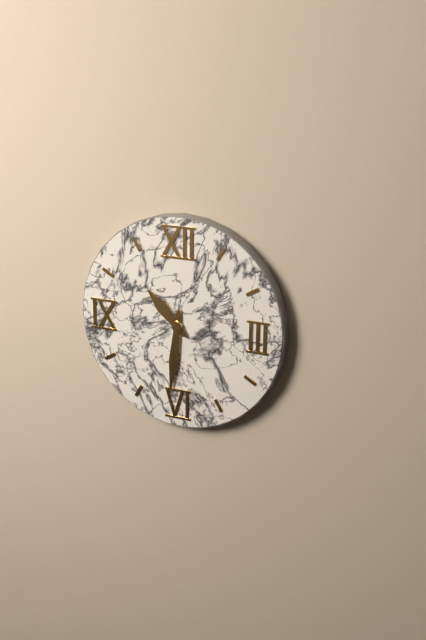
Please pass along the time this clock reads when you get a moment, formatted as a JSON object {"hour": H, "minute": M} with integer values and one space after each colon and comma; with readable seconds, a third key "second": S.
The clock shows {"hour": 10, "minute": 31}
